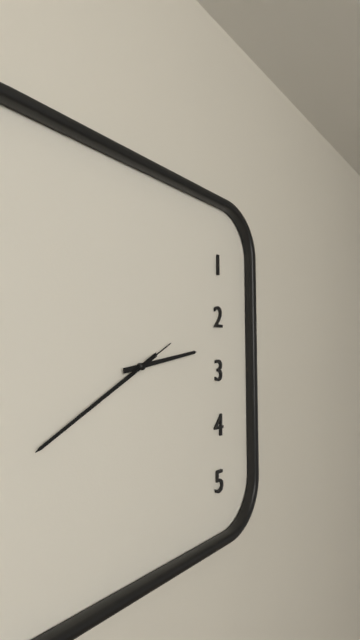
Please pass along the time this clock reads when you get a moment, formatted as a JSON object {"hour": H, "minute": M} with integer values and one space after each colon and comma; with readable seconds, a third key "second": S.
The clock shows {"hour": 2, "minute": 40, "second": 10}
